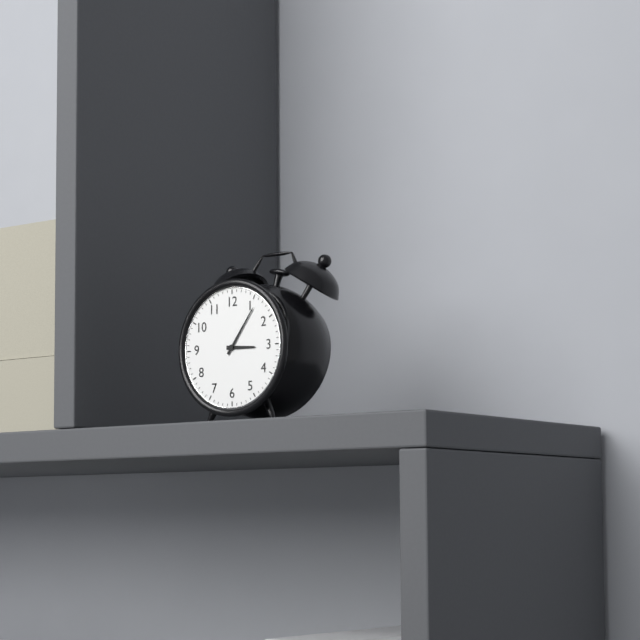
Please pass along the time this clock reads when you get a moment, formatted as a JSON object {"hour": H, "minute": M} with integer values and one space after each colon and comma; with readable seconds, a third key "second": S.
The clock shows {"hour": 3, "minute": 6}
